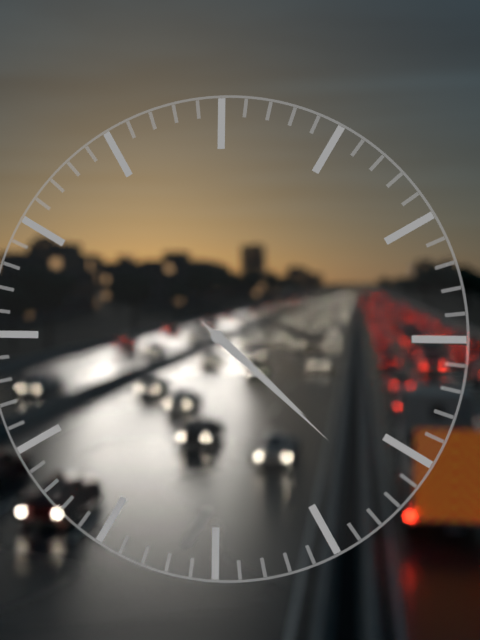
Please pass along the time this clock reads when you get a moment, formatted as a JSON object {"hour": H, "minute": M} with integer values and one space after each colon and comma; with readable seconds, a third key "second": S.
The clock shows {"hour": 4, "minute": 22, "second": 22}
